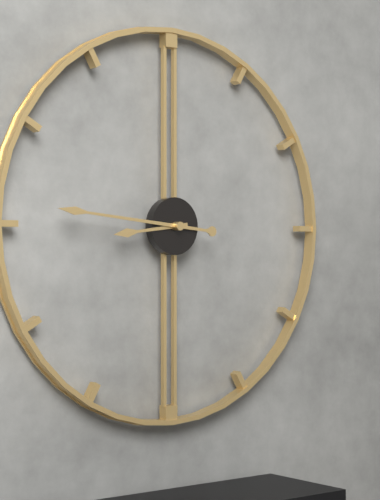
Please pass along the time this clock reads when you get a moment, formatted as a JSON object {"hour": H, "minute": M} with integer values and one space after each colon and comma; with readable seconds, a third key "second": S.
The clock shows {"hour": 8, "minute": 46}
